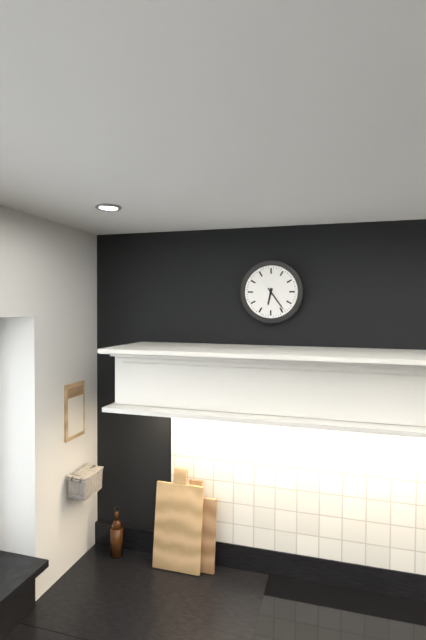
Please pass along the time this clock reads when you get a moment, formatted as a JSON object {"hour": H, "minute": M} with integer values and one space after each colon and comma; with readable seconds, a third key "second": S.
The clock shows {"hour": 6, "minute": 24}
